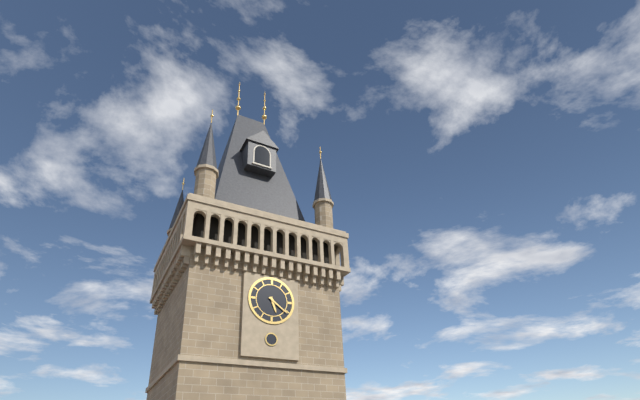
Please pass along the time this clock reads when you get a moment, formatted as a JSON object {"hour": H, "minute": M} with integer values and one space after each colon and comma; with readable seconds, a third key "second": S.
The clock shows {"hour": 5, "minute": 21}
